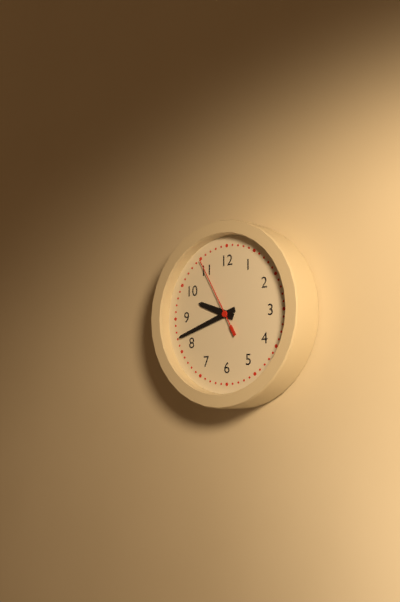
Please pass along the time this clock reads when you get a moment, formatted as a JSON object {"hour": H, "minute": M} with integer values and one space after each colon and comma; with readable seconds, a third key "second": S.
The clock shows {"hour": 9, "minute": 42, "second": 55}
